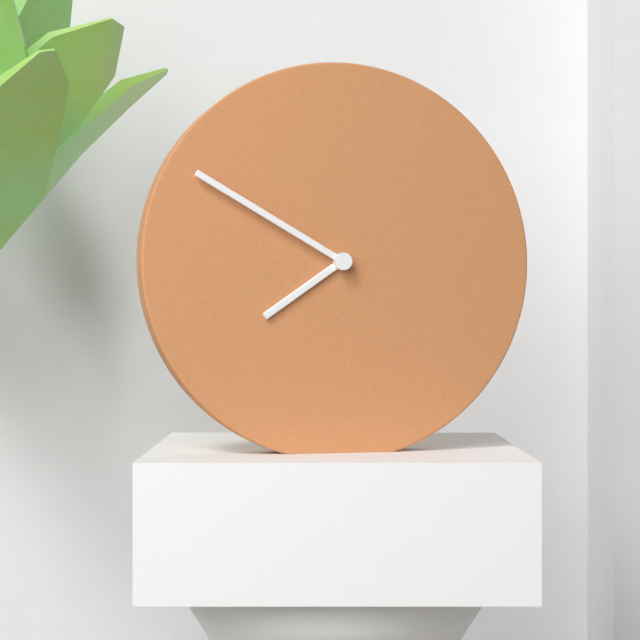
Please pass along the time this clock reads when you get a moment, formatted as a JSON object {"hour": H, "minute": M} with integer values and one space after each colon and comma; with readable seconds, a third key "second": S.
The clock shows {"hour": 7, "minute": 50}
